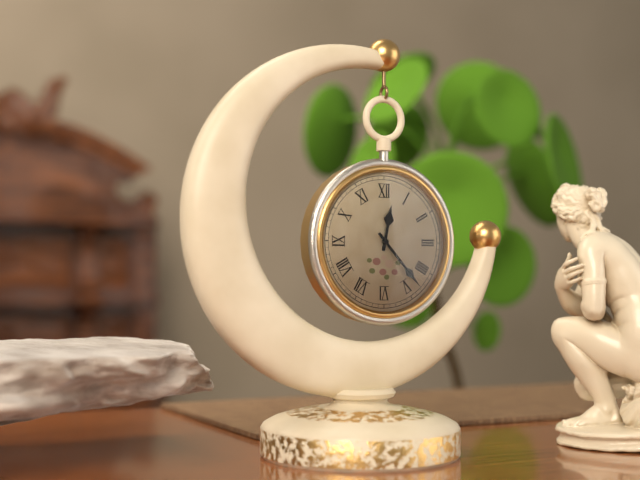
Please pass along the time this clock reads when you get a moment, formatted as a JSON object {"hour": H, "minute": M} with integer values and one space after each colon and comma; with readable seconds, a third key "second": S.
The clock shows {"hour": 12, "minute": 23}
